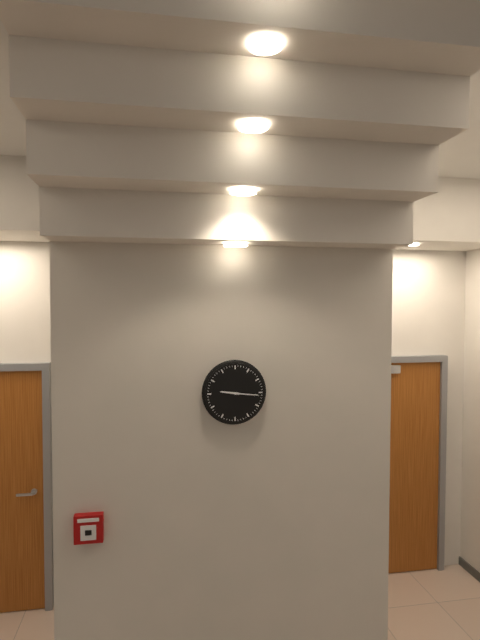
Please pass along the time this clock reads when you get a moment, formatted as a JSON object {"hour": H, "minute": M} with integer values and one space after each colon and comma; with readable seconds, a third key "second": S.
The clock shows {"hour": 9, "minute": 16}
